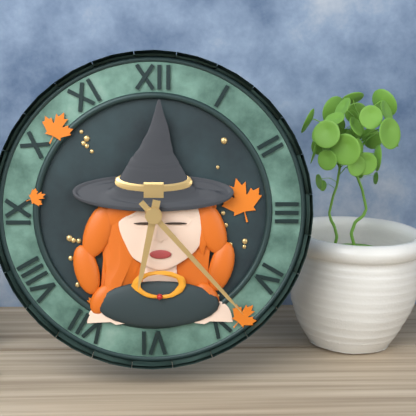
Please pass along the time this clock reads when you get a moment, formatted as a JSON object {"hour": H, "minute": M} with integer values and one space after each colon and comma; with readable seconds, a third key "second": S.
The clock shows {"hour": 6, "minute": 23}
